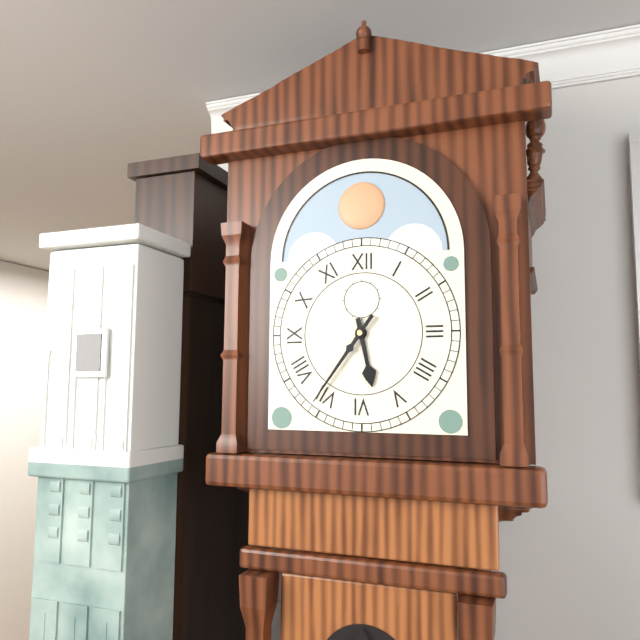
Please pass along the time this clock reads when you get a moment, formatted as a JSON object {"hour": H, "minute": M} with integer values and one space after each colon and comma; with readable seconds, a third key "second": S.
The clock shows {"hour": 5, "minute": 36}
